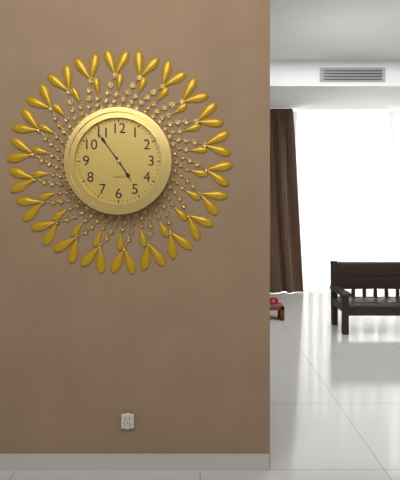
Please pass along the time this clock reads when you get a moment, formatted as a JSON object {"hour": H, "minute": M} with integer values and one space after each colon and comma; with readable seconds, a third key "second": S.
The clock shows {"hour": 4, "minute": 54}
